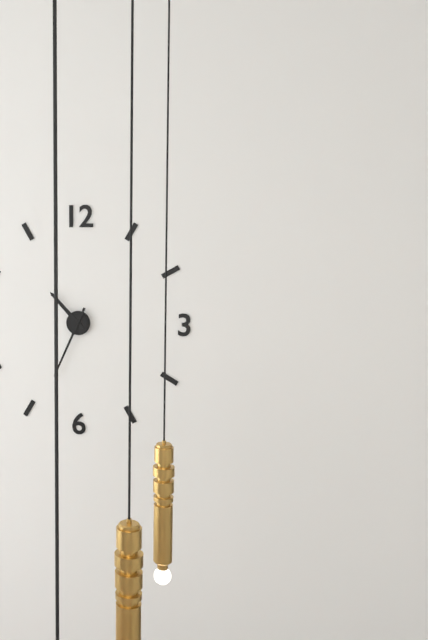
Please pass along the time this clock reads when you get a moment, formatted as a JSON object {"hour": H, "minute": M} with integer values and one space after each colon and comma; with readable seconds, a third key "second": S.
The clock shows {"hour": 10, "minute": 34}
